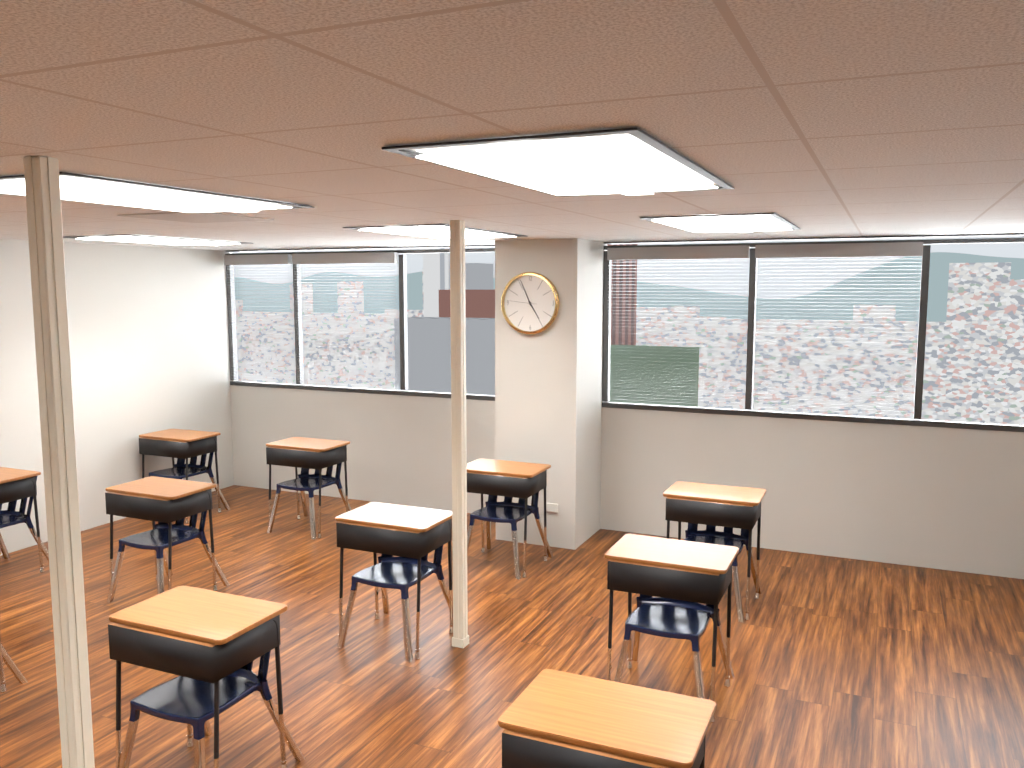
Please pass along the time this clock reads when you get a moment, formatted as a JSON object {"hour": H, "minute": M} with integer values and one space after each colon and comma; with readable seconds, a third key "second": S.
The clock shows {"hour": 4, "minute": 56}
